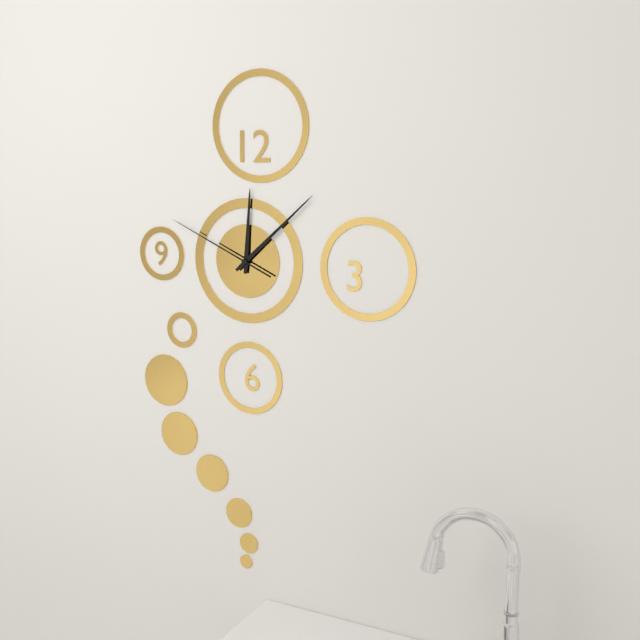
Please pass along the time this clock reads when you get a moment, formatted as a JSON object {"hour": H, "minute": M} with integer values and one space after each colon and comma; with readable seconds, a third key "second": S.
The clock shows {"hour": 12, "minute": 8, "second": 49}
